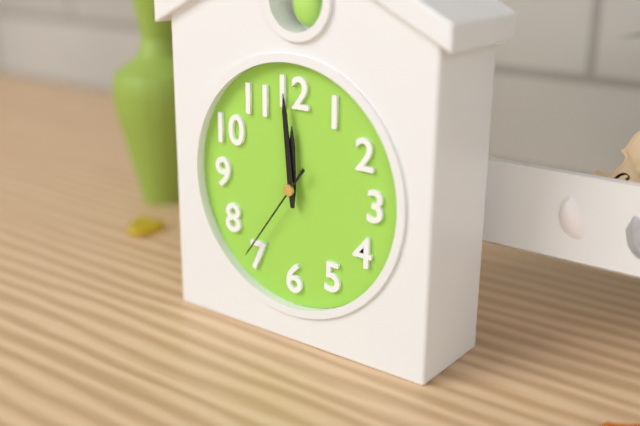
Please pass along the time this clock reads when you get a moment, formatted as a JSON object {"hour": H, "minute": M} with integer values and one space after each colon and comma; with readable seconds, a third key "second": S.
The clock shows {"hour": 11, "minute": 59, "second": 36}
